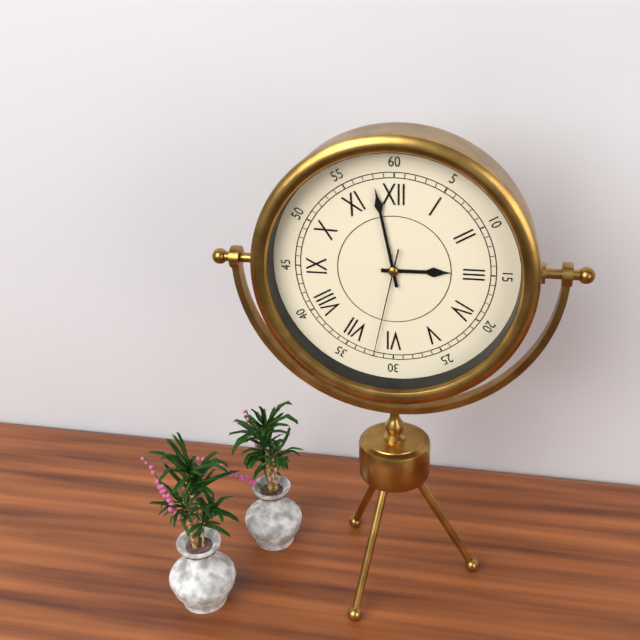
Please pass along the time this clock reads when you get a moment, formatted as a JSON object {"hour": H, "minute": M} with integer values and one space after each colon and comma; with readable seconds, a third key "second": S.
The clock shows {"hour": 2, "minute": 58, "second": 32}
